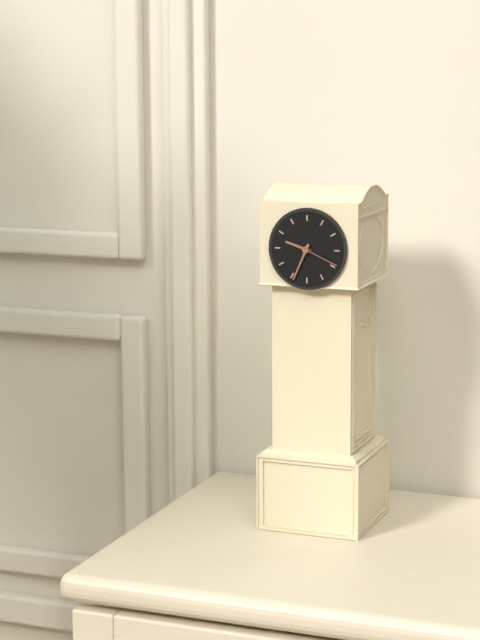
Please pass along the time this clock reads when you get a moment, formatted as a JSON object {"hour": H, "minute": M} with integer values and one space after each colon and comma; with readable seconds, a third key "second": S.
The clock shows {"hour": 9, "minute": 34}
